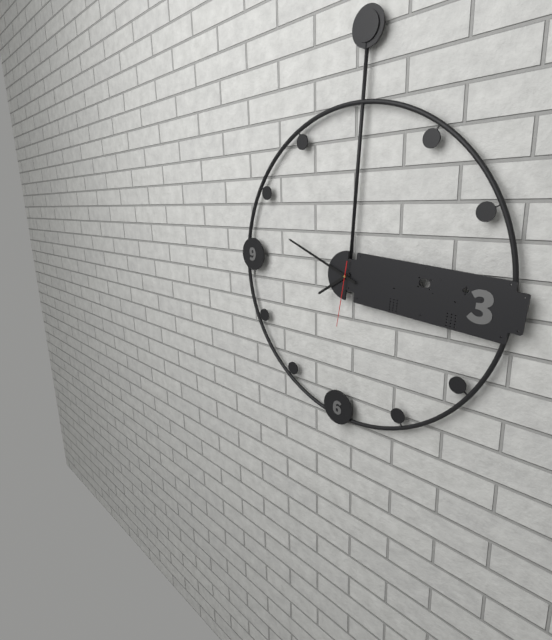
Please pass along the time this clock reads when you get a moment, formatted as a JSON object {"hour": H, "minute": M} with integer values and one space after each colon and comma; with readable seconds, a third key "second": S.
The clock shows {"hour": 7, "minute": 48, "second": 31}
